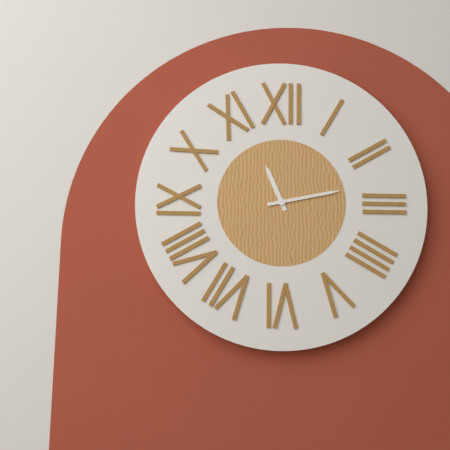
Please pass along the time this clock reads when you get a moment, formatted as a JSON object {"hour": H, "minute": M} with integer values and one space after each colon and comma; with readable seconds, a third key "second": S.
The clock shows {"hour": 11, "minute": 13}
